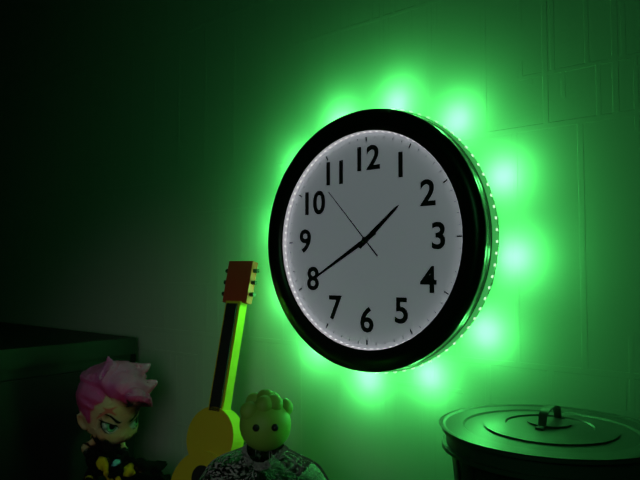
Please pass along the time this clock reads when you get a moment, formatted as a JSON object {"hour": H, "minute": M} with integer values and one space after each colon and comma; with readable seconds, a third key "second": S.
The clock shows {"hour": 1, "minute": 40, "second": 53}
